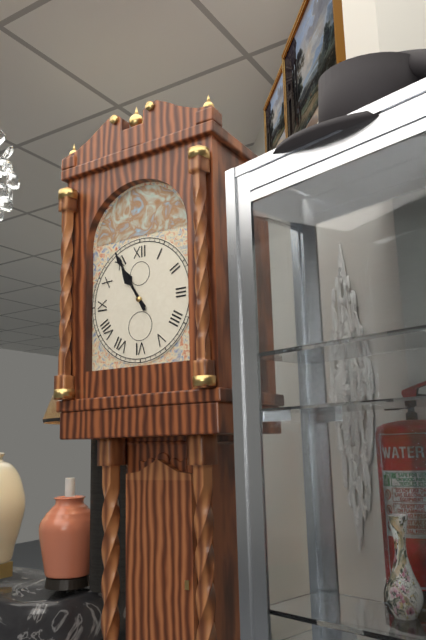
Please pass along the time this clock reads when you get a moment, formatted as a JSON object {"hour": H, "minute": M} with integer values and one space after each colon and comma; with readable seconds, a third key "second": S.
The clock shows {"hour": 10, "minute": 55}
